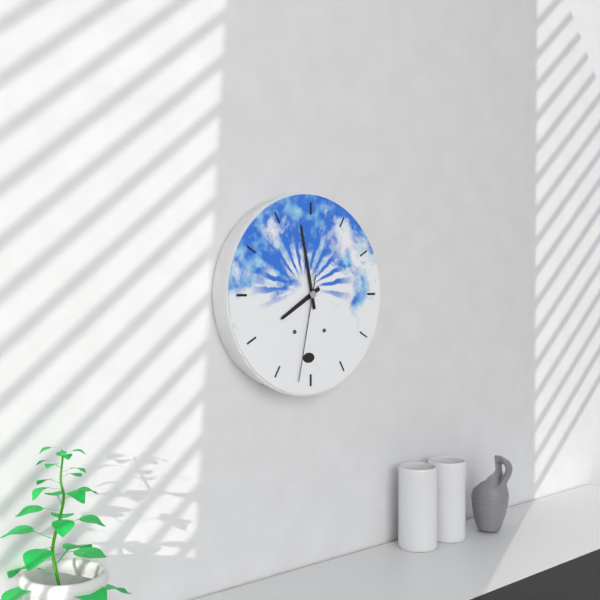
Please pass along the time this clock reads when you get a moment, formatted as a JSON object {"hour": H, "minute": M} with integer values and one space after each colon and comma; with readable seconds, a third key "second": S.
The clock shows {"hour": 7, "minute": 58, "second": 32}
